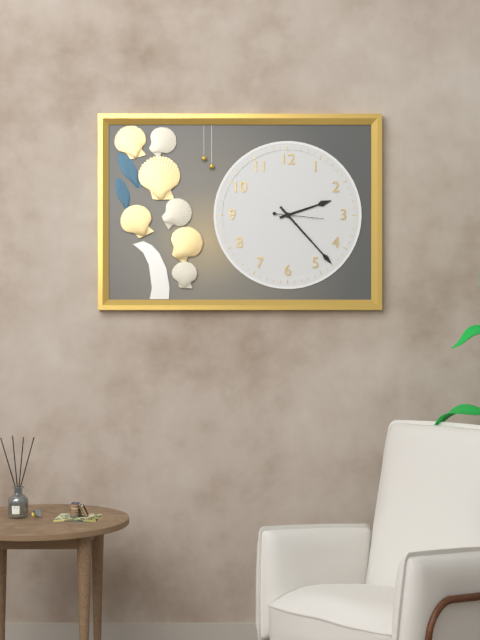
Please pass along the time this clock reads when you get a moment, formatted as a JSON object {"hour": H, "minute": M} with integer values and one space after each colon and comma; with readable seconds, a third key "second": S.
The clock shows {"hour": 2, "minute": 23}
